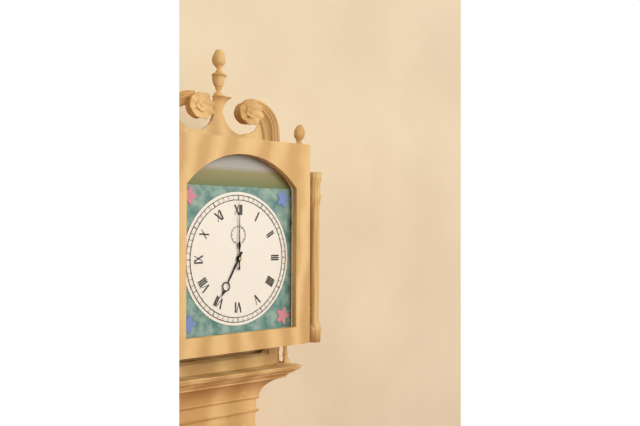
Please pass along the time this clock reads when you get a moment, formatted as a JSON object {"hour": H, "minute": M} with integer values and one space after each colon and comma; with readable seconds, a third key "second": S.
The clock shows {"hour": 7, "minute": 0}
